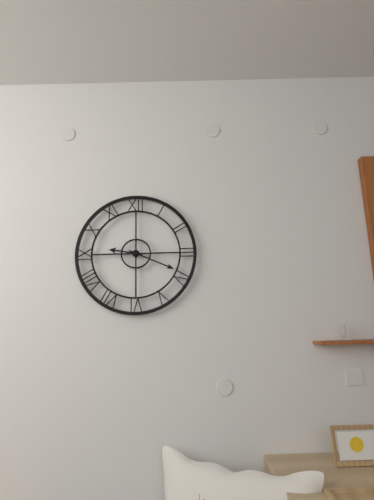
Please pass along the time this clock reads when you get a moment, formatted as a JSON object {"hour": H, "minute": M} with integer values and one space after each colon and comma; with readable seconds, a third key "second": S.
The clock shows {"hour": 9, "minute": 19}
